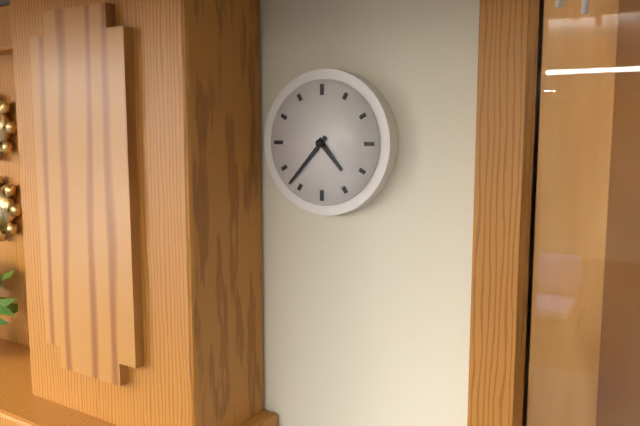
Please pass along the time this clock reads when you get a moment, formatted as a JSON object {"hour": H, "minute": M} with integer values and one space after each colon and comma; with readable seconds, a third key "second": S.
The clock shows {"hour": 4, "minute": 37}
